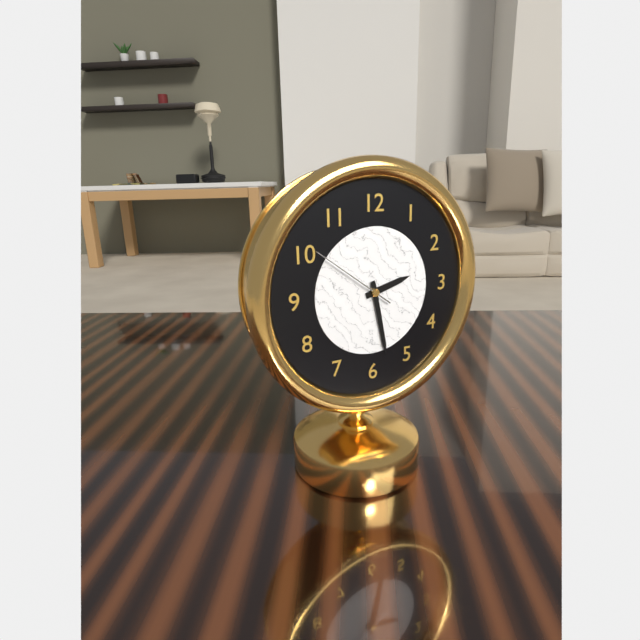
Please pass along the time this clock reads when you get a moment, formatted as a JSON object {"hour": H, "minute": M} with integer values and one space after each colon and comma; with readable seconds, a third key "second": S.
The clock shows {"hour": 2, "minute": 28, "second": 51}
